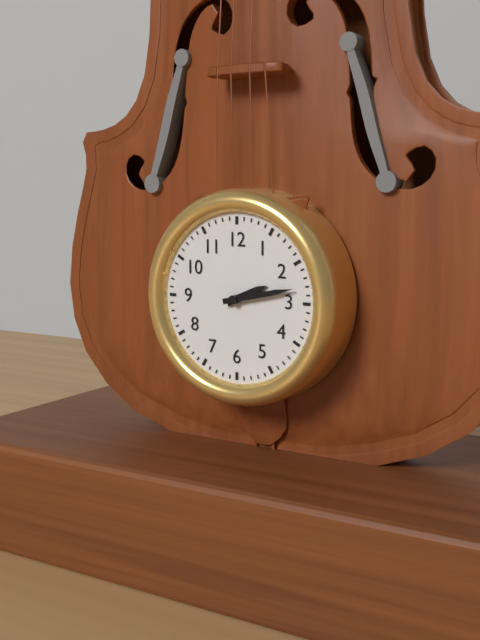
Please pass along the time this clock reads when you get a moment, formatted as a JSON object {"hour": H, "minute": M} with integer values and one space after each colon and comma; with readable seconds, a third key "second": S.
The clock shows {"hour": 2, "minute": 13}
